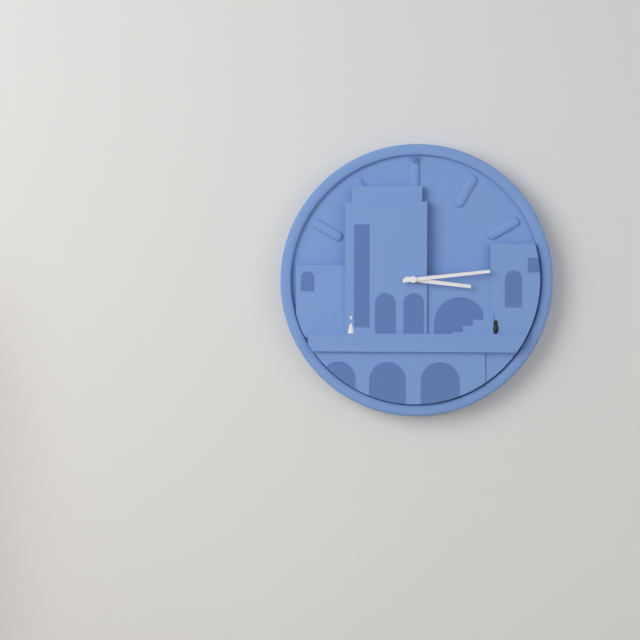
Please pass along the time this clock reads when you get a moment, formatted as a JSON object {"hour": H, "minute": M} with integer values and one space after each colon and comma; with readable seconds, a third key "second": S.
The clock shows {"hour": 3, "minute": 14}
